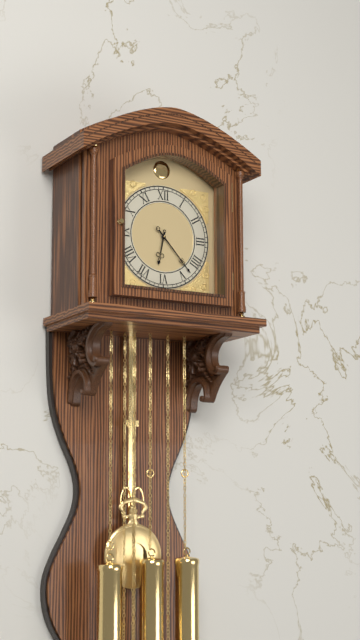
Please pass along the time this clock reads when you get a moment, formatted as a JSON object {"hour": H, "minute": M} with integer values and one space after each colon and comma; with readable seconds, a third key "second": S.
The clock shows {"hour": 6, "minute": 23}
